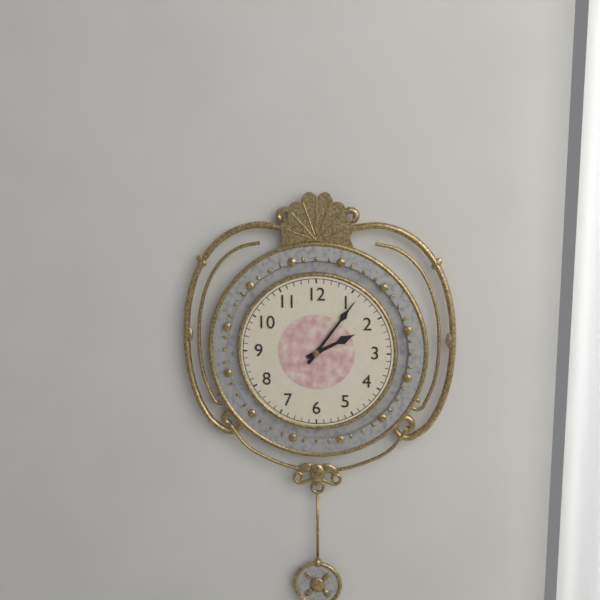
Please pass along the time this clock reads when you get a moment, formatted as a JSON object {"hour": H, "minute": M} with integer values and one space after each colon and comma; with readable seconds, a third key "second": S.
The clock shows {"hour": 2, "minute": 6}
